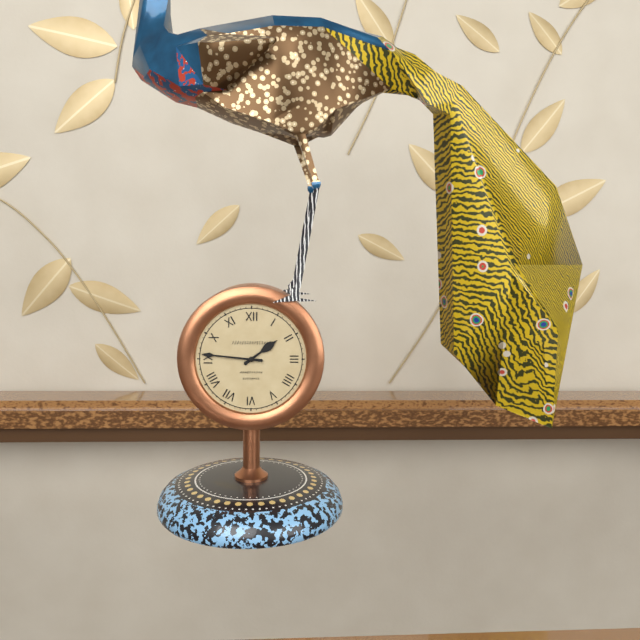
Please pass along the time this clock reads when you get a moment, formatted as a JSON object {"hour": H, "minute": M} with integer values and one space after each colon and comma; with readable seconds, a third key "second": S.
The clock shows {"hour": 1, "minute": 46}
